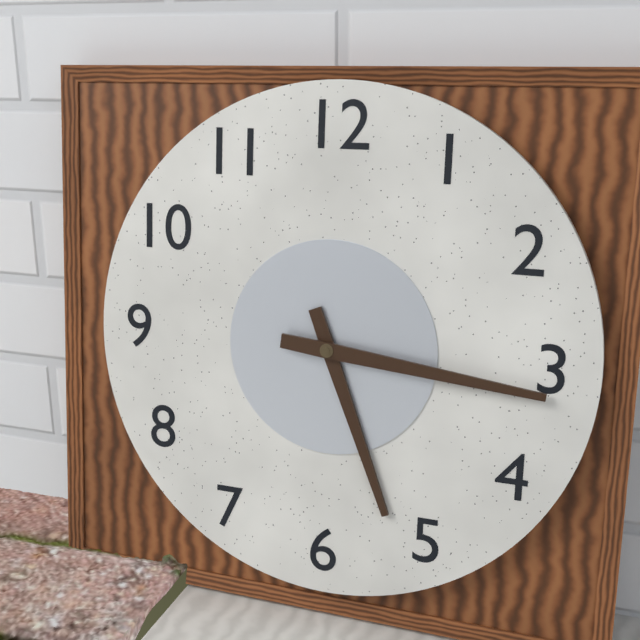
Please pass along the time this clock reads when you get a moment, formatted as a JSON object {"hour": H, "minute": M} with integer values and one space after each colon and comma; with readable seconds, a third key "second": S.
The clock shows {"hour": 5, "minute": 16}
